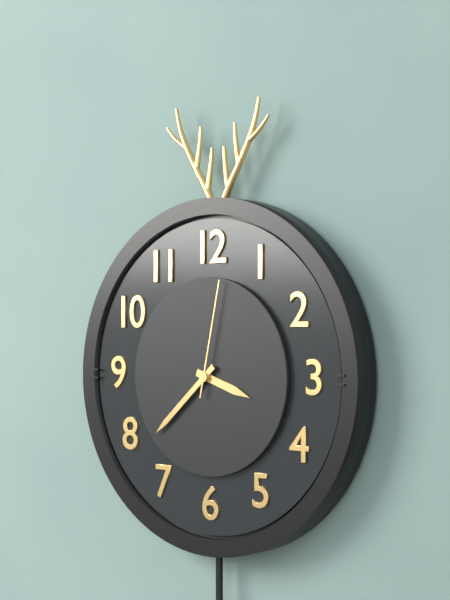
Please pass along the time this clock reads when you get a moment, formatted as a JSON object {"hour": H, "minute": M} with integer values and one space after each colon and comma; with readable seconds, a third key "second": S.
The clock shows {"hour": 3, "minute": 38, "second": 2}
